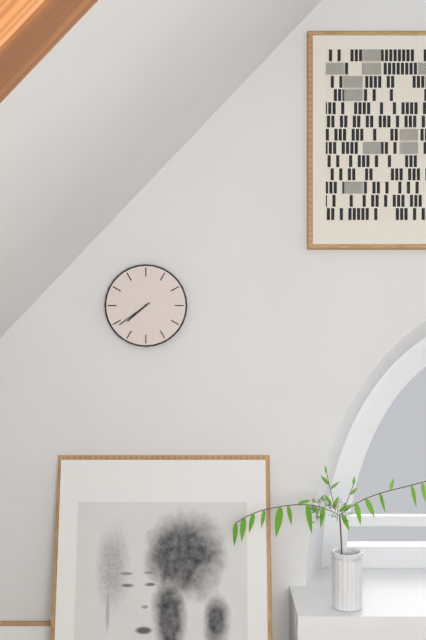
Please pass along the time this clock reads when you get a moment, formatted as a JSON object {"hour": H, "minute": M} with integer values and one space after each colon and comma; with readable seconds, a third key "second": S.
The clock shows {"hour": 7, "minute": 39}
